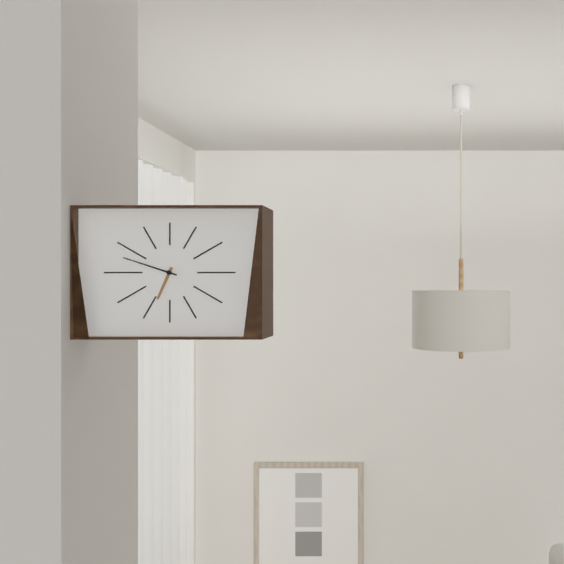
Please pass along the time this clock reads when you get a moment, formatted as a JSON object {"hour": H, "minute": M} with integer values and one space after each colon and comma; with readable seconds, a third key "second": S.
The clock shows {"hour": 6, "minute": 48}
